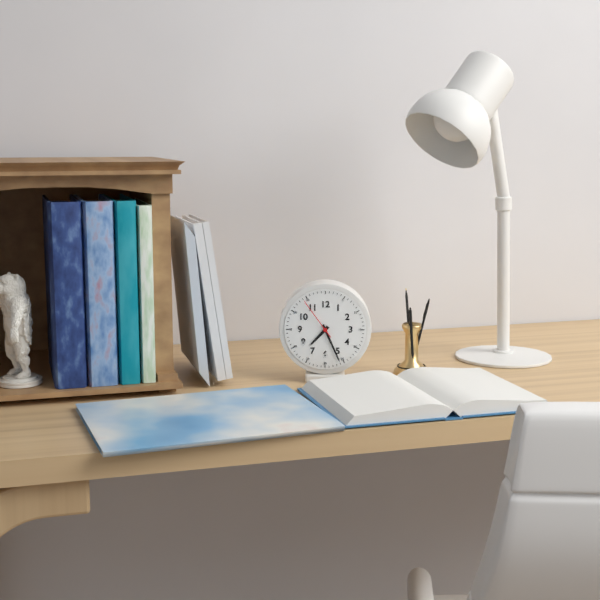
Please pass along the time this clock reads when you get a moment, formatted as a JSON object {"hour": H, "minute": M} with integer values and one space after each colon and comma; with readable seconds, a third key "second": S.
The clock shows {"hour": 7, "minute": 26}
